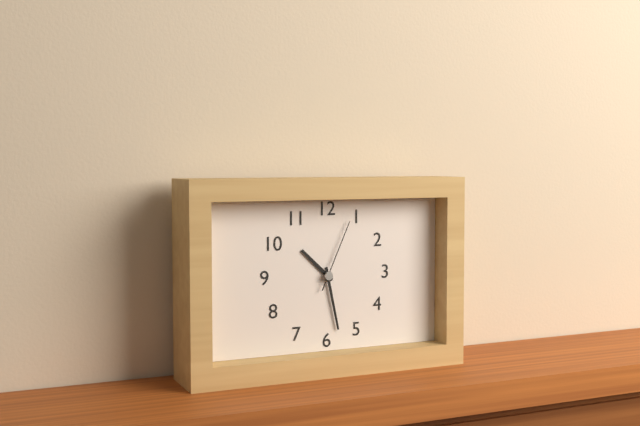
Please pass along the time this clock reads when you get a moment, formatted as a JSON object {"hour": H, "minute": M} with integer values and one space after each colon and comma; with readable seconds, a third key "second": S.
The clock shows {"hour": 10, "minute": 28, "second": 4}
